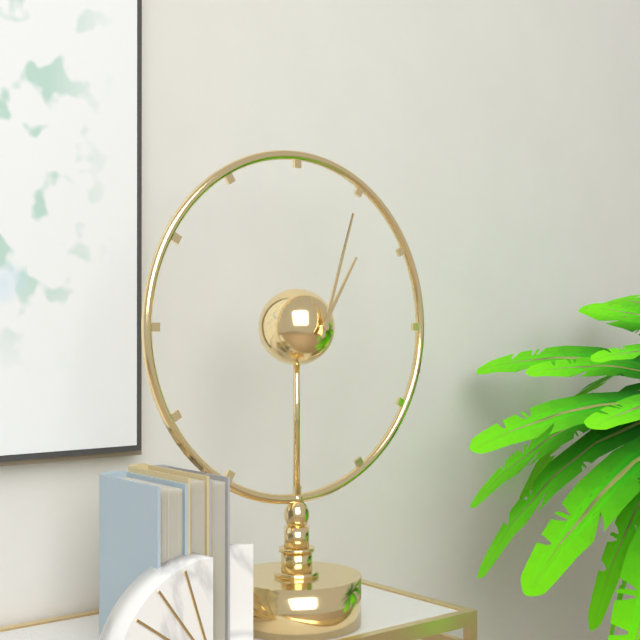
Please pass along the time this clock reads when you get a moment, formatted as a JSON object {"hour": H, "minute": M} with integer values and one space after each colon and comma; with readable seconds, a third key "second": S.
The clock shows {"hour": 1, "minute": 3}
